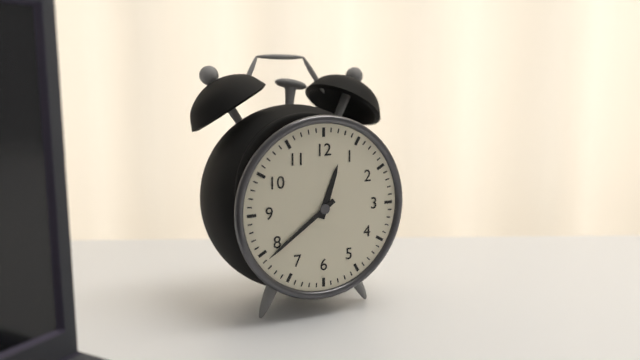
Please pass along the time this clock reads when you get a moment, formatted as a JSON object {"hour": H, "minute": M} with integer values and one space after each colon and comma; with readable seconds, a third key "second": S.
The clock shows {"hour": 12, "minute": 39}
